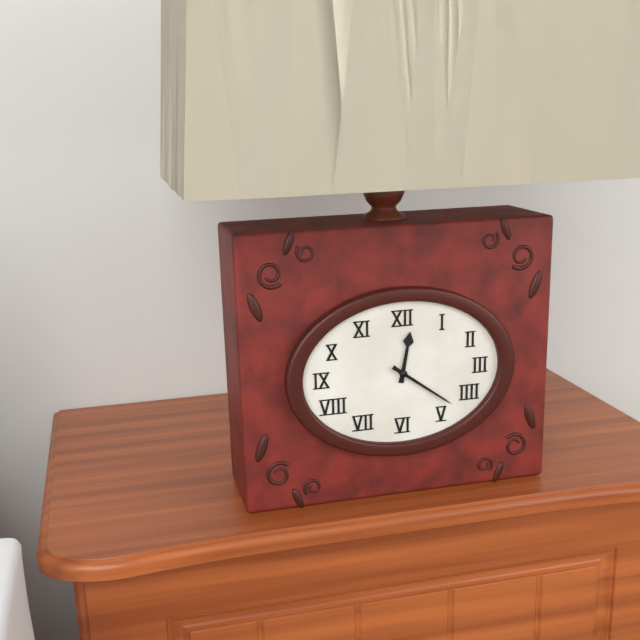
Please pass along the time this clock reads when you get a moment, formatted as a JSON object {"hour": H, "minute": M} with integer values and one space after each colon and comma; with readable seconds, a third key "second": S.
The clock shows {"hour": 12, "minute": 21}
